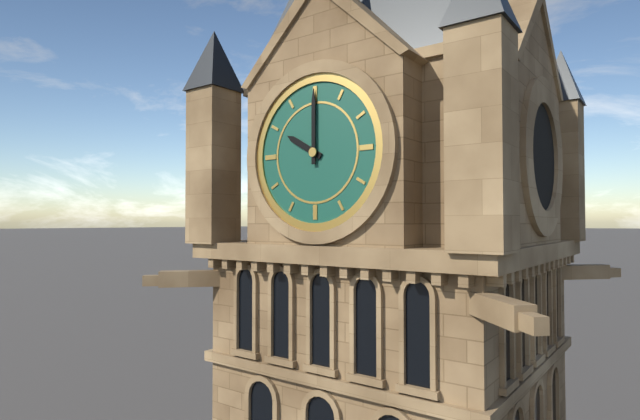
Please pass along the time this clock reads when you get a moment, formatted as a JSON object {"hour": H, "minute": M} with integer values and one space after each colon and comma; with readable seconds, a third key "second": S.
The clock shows {"hour": 10, "minute": 0}
